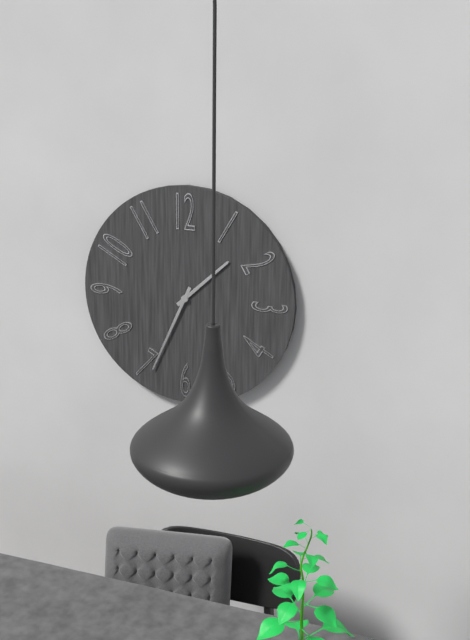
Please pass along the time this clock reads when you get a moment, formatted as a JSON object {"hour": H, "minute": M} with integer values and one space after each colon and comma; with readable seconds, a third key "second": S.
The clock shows {"hour": 1, "minute": 34}
